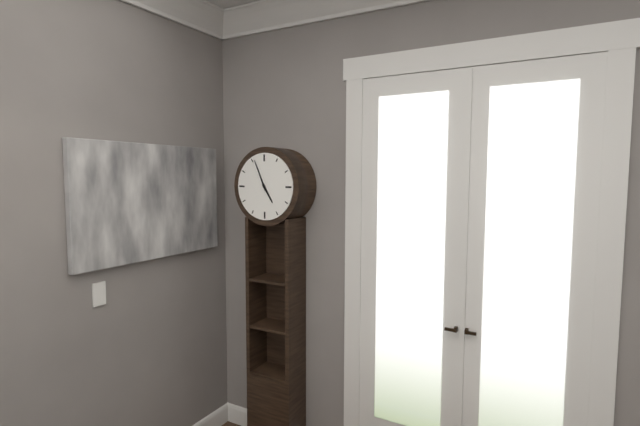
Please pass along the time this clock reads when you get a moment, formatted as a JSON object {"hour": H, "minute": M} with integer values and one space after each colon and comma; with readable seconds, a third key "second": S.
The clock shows {"hour": 4, "minute": 56}
